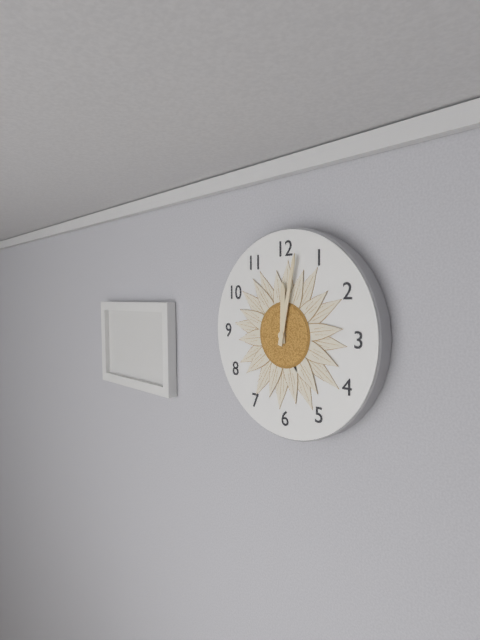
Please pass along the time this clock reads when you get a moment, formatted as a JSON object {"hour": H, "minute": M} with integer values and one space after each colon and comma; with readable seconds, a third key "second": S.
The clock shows {"hour": 12, "minute": 2}
